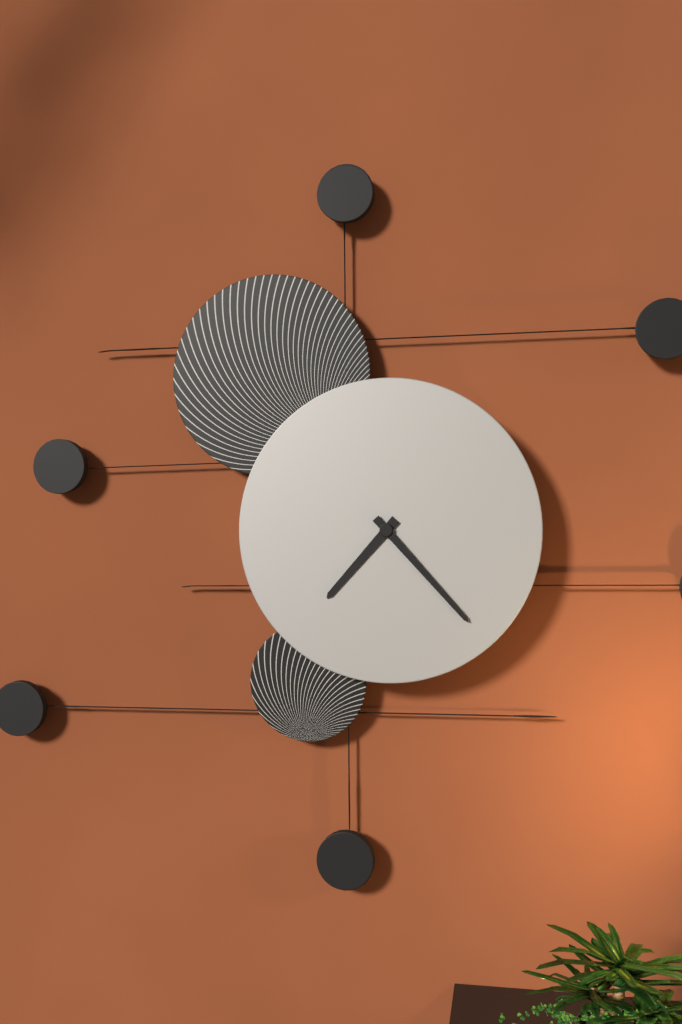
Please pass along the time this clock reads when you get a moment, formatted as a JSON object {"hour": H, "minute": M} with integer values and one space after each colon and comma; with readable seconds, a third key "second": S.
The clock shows {"hour": 7, "minute": 23}
